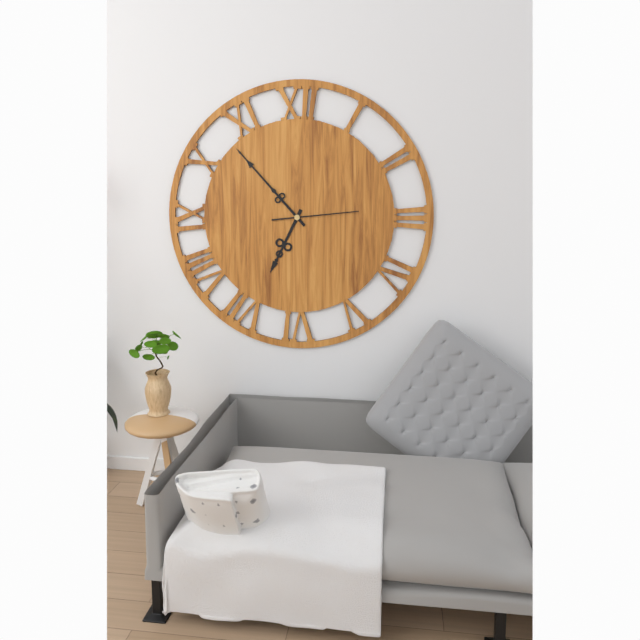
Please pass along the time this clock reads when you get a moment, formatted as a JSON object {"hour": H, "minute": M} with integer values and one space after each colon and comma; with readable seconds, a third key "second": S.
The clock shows {"hour": 6, "minute": 53, "second": 14}
